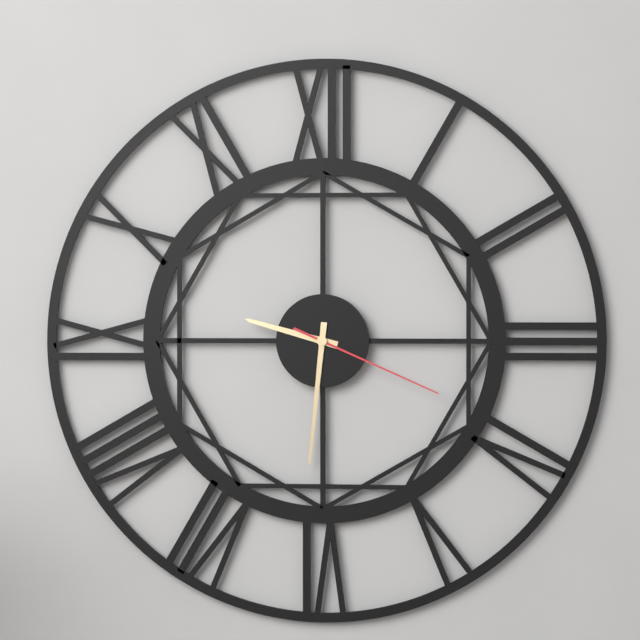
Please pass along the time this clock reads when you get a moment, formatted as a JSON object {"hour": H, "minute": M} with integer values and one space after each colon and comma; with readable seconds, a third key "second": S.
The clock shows {"hour": 9, "minute": 31, "second": 19}
